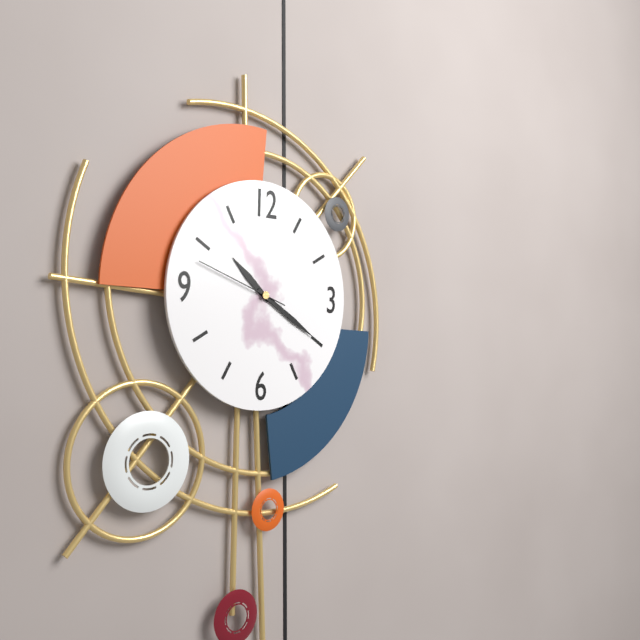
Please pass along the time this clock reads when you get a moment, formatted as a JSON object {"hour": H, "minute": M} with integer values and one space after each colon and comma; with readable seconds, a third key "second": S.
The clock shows {"hour": 10, "minute": 20, "second": 48}
